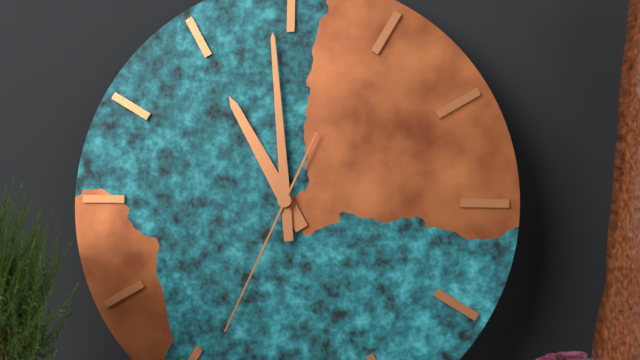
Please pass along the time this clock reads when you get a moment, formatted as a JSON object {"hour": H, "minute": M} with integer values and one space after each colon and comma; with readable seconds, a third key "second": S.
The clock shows {"hour": 10, "minute": 59, "second": 34}
